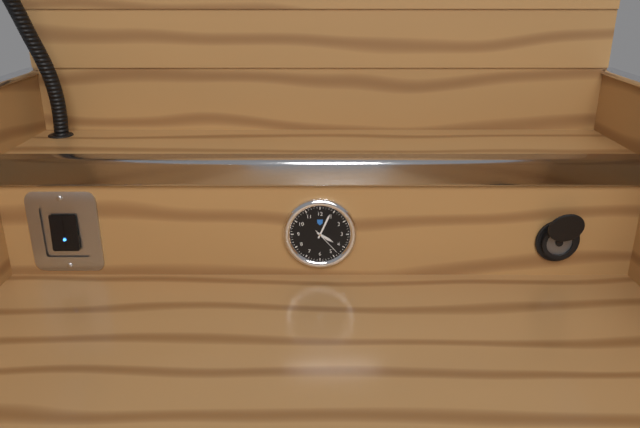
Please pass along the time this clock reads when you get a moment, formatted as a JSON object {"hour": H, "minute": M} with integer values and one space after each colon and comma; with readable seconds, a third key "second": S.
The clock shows {"hour": 4, "minute": 4}
